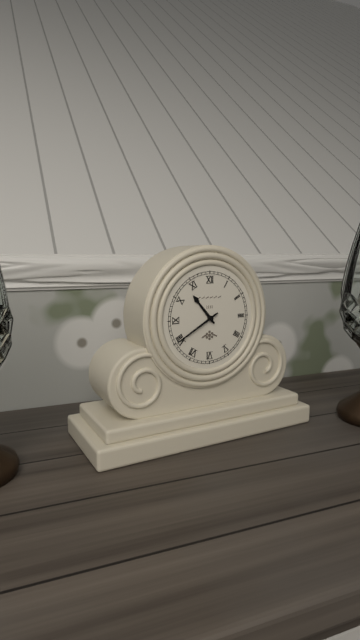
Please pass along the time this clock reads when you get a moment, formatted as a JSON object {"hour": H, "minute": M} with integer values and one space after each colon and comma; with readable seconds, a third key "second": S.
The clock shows {"hour": 10, "minute": 40}
